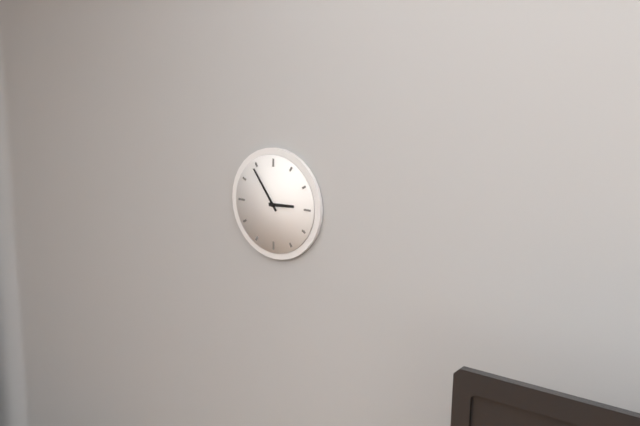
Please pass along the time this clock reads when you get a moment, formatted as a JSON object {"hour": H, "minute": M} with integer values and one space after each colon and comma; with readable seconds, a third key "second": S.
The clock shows {"hour": 2, "minute": 54}
